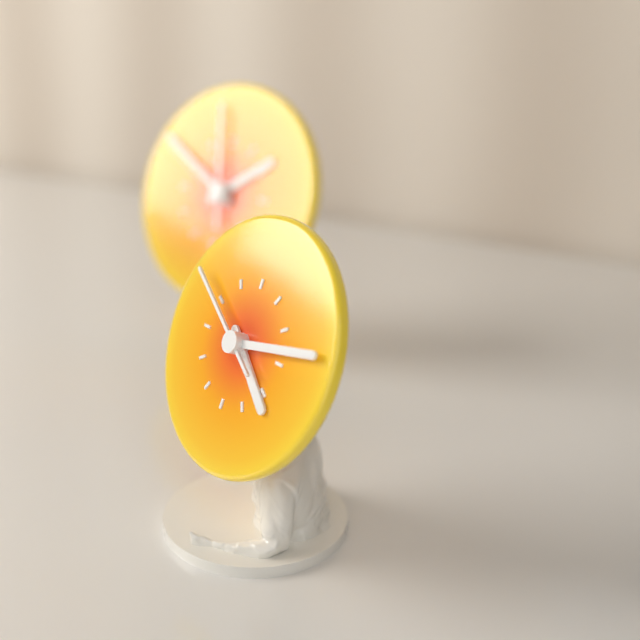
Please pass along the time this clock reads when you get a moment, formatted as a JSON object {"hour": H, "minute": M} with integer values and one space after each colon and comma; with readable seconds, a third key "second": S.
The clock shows {"hour": 4, "minute": 13, "second": 50}
